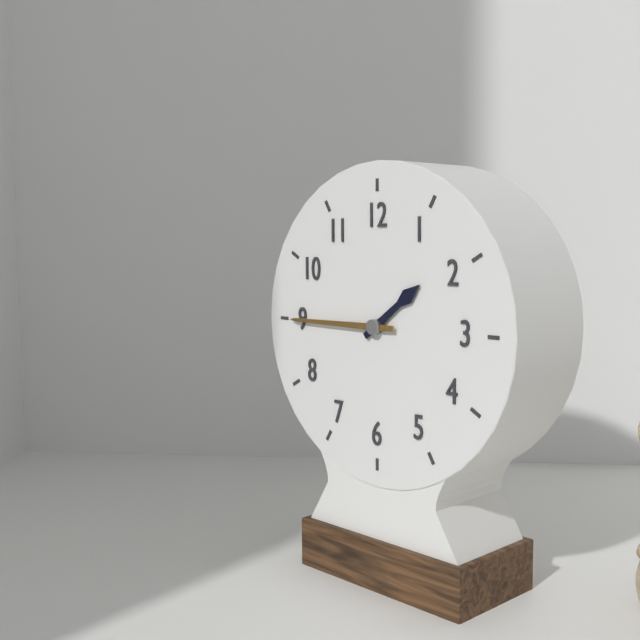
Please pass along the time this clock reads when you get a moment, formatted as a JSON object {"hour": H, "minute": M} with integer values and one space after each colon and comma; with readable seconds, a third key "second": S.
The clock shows {"hour": 1, "minute": 45}
